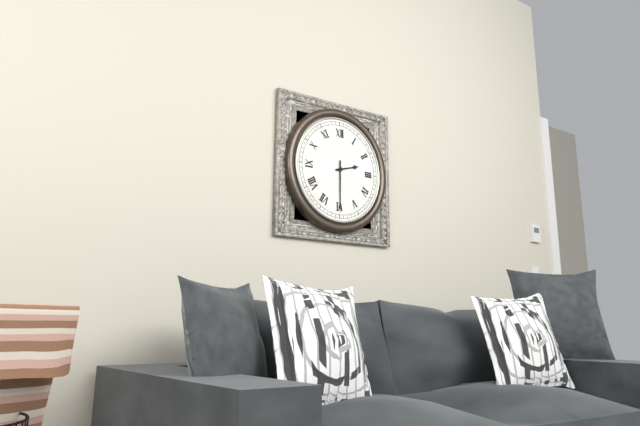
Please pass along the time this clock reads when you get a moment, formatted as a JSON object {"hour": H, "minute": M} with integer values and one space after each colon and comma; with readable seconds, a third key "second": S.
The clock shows {"hour": 2, "minute": 30}
